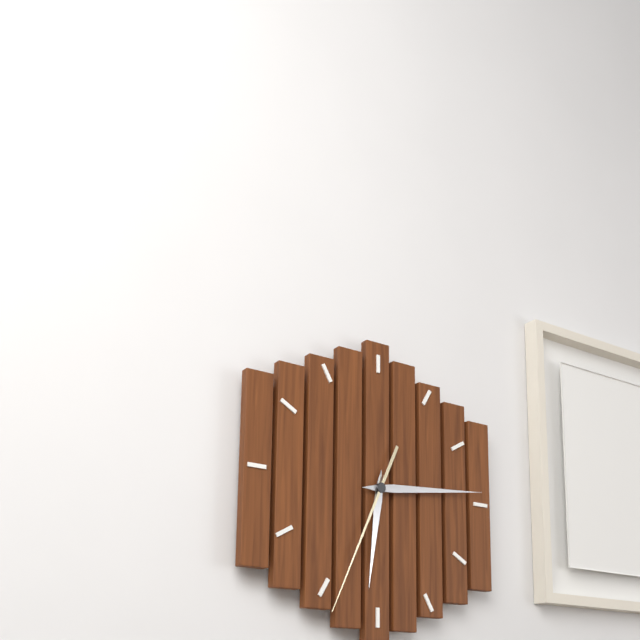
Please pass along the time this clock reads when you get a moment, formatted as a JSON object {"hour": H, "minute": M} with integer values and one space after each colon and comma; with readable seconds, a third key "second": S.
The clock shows {"hour": 6, "minute": 14, "second": 34}
